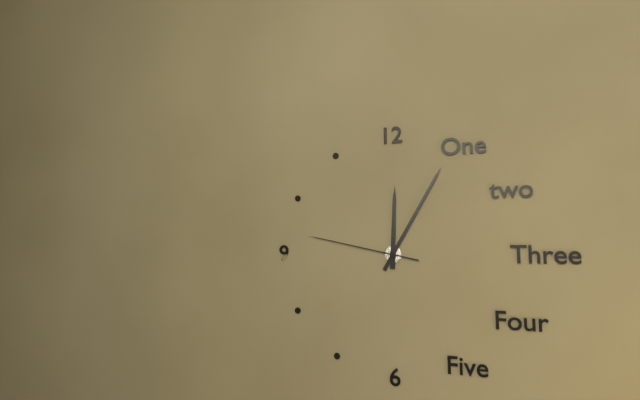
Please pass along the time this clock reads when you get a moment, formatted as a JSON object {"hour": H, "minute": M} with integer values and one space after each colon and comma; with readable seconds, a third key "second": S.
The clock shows {"hour": 12, "minute": 5, "second": 47}
